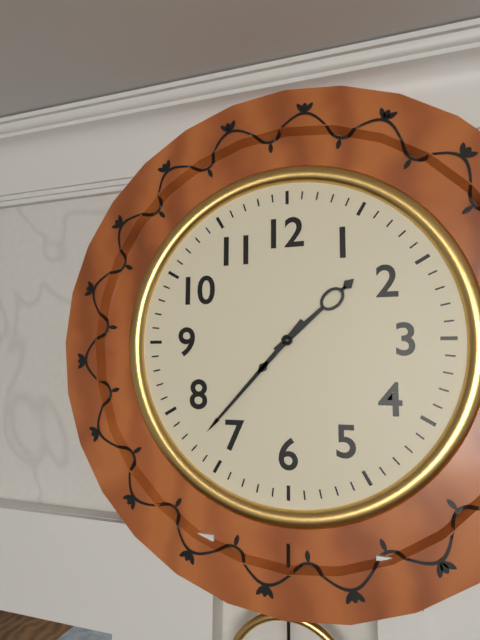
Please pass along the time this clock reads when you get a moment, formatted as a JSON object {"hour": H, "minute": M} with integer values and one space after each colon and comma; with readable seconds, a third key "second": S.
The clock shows {"hour": 1, "minute": 37}
